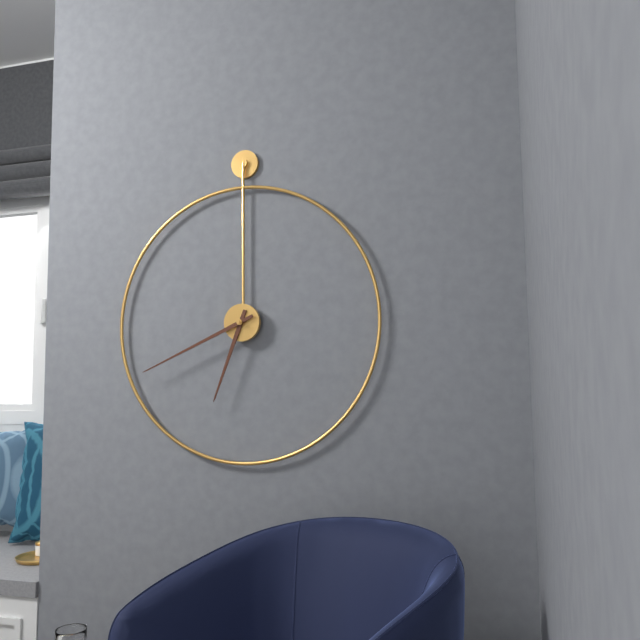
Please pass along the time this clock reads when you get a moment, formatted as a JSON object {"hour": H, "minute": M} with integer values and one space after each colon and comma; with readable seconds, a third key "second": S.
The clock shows {"hour": 6, "minute": 41}
